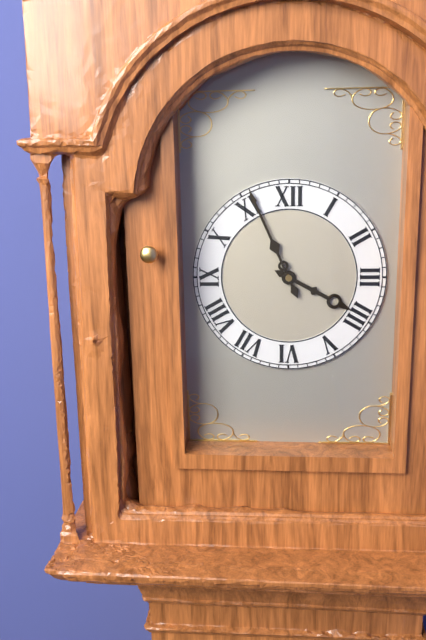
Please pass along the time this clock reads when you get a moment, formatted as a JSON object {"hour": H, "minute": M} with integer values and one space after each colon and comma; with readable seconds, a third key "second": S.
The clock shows {"hour": 3, "minute": 56}
